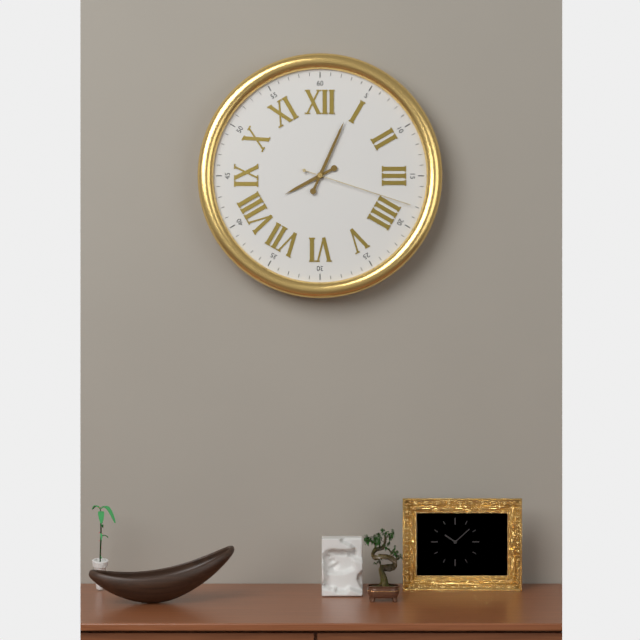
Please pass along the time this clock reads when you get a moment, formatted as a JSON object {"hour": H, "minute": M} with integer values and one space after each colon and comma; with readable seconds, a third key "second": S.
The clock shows {"hour": 8, "minute": 4, "second": 18}
